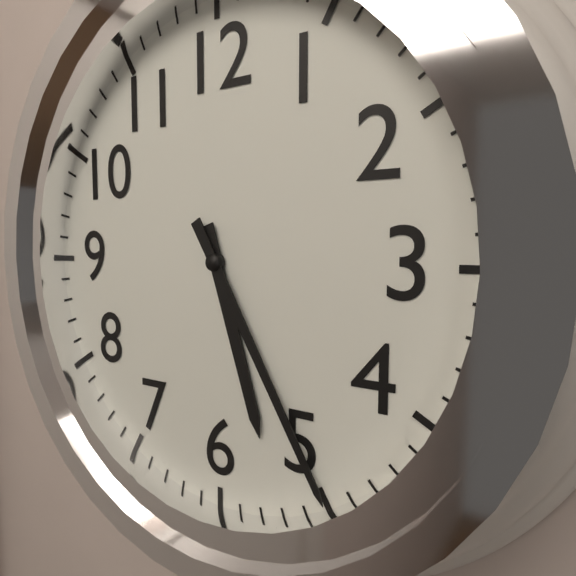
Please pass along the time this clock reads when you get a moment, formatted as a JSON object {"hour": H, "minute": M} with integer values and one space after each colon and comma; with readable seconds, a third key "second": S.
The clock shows {"hour": 5, "minute": 25}
